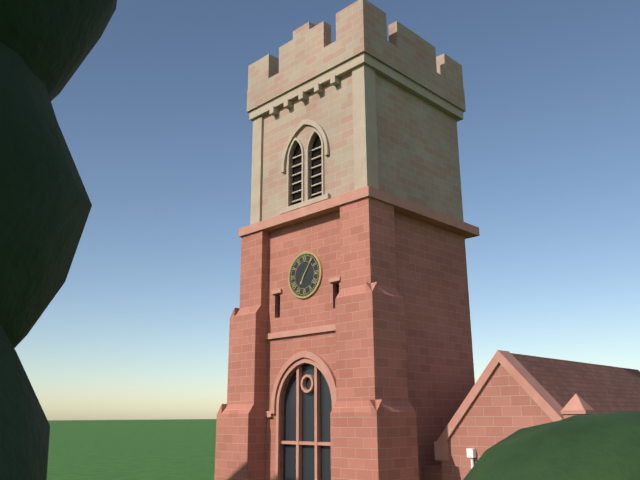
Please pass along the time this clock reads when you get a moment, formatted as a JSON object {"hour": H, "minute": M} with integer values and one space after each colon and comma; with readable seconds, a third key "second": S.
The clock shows {"hour": 7, "minute": 6}
